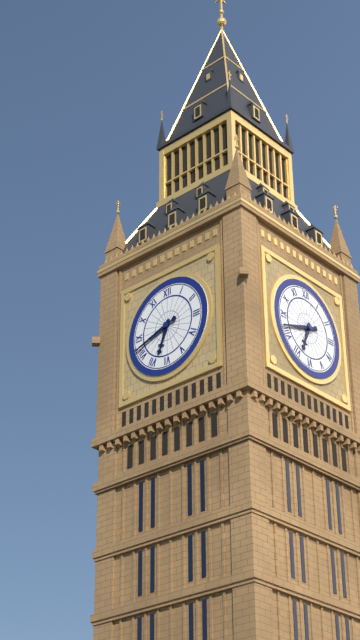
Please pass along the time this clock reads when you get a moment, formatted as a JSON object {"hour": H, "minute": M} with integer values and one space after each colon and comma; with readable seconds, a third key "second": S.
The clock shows {"hour": 6, "minute": 42}
